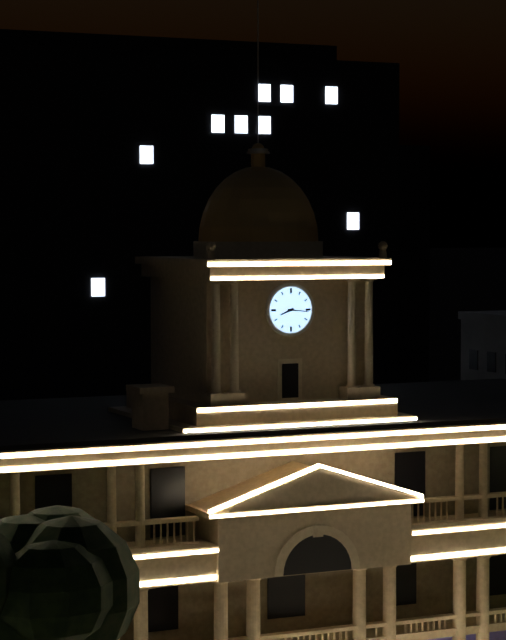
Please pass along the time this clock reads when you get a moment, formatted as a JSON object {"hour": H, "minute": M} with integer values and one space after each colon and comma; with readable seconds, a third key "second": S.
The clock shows {"hour": 8, "minute": 16}
